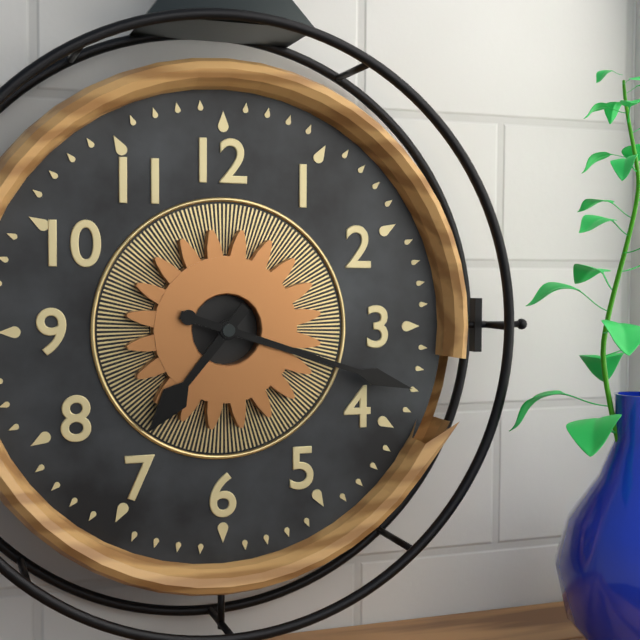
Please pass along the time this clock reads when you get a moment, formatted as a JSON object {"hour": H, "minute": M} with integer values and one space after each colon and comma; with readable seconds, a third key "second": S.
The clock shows {"hour": 7, "minute": 18}
